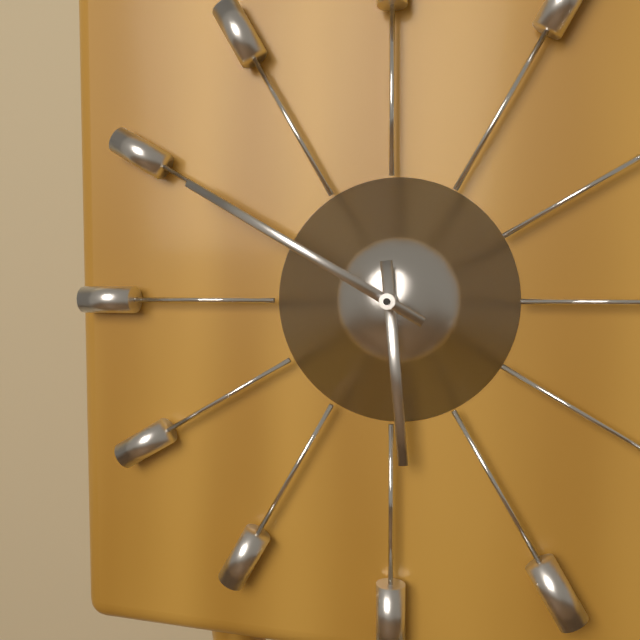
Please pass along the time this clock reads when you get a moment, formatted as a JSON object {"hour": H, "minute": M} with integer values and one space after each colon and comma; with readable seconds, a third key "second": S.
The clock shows {"hour": 5, "minute": 50}
